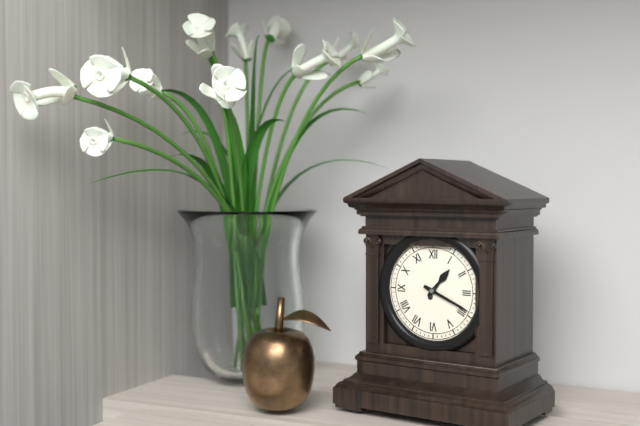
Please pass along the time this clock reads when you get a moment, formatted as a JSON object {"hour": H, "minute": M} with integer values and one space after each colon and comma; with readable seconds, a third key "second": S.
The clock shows {"hour": 1, "minute": 19}
